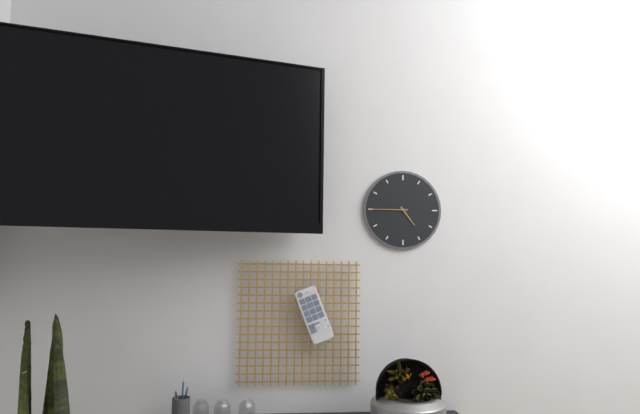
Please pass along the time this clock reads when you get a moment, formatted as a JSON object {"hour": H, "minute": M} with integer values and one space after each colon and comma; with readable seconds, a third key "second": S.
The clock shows {"hour": 4, "minute": 45}
